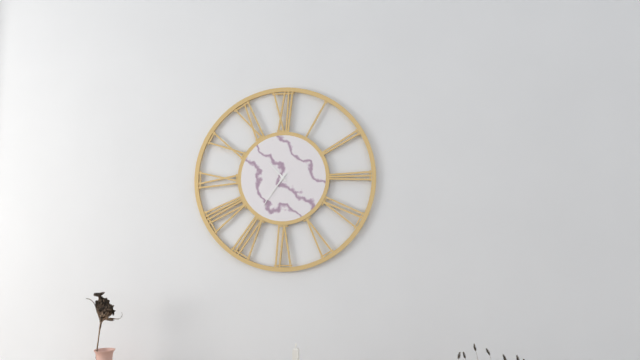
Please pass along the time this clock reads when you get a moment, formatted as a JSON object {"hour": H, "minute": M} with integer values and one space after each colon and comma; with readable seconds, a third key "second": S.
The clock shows {"hour": 10, "minute": 36}
